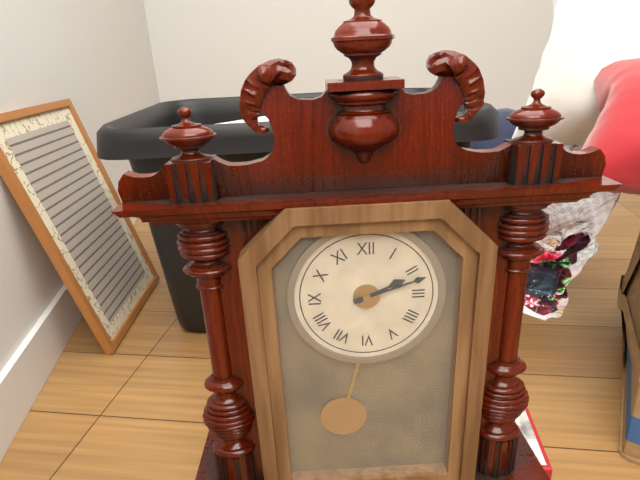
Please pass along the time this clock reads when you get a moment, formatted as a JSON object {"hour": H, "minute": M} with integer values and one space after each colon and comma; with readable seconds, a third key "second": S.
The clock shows {"hour": 2, "minute": 12}
